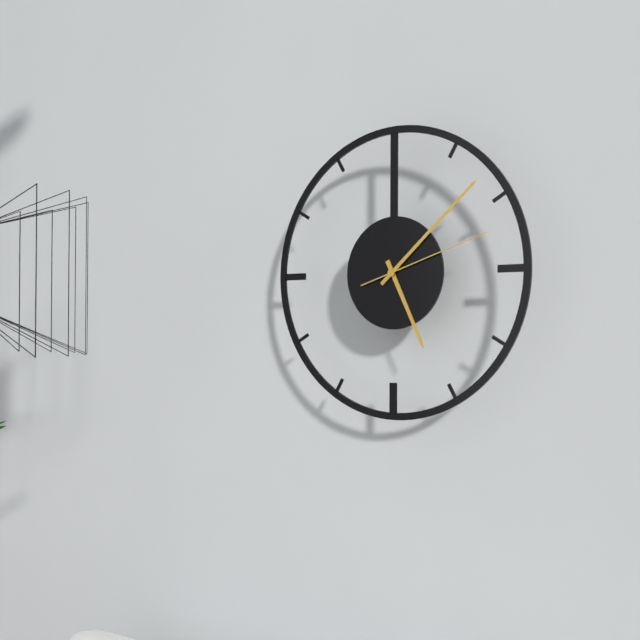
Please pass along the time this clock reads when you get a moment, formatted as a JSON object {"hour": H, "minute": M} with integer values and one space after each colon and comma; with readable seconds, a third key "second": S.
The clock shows {"hour": 5, "minute": 8, "second": 12}
